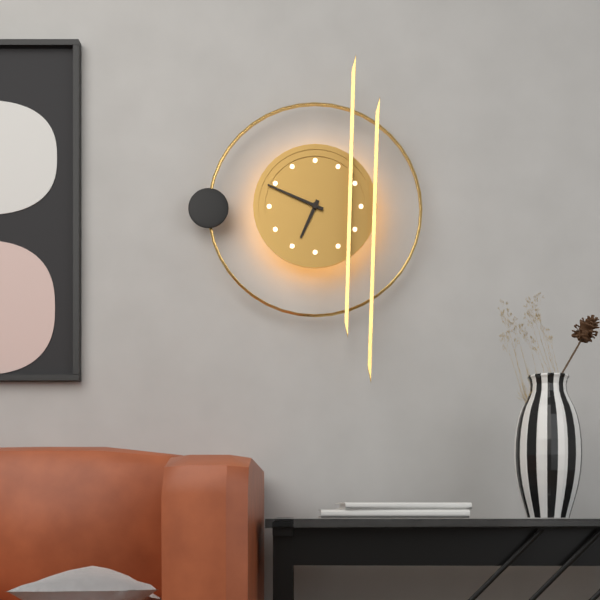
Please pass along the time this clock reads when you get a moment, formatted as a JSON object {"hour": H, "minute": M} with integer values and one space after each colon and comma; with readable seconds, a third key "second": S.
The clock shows {"hour": 6, "minute": 49}
